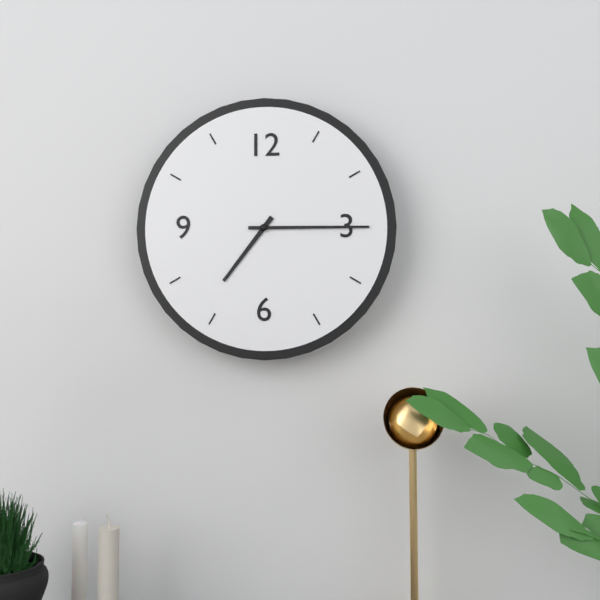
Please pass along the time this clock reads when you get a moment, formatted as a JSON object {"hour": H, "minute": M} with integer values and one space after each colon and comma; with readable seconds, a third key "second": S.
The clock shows {"hour": 7, "minute": 15}
